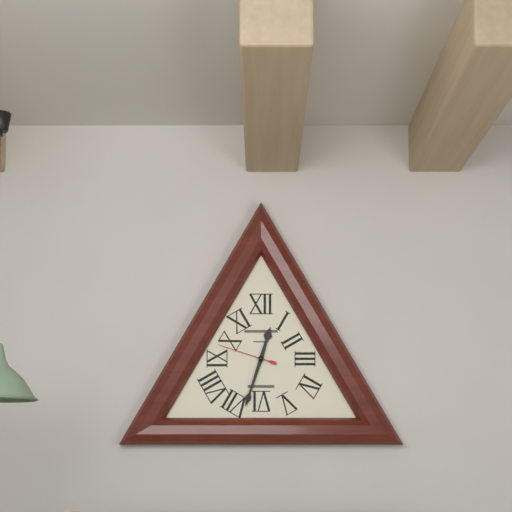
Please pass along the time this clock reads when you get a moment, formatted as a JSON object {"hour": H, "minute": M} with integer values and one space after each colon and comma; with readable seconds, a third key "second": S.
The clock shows {"hour": 12, "minute": 33, "second": 48}
